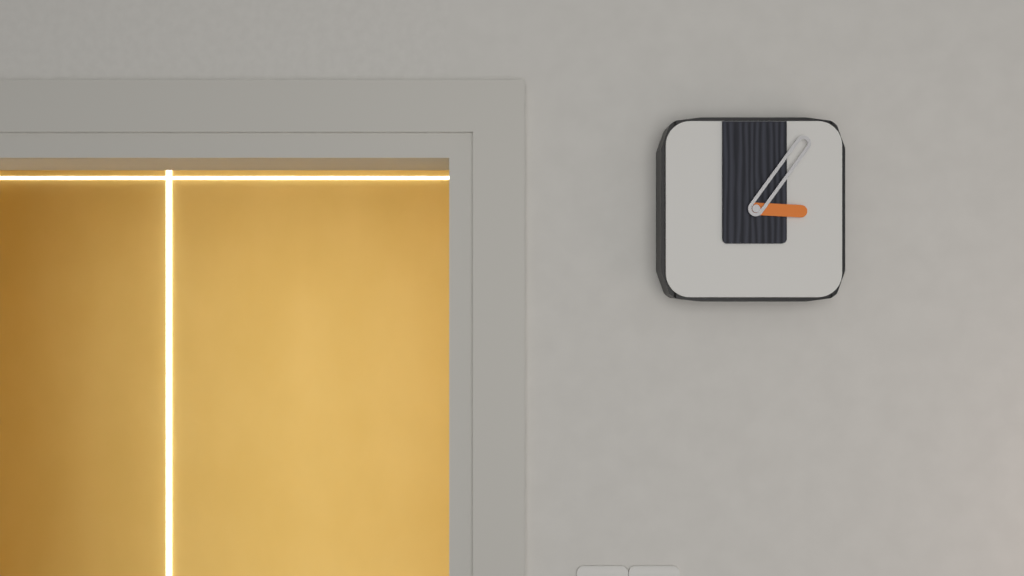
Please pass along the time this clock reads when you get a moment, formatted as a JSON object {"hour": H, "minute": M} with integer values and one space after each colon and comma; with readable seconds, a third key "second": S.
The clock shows {"hour": 3, "minute": 6}
